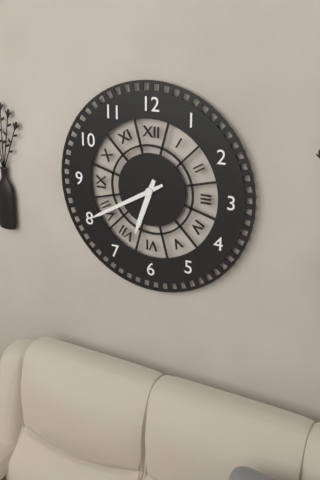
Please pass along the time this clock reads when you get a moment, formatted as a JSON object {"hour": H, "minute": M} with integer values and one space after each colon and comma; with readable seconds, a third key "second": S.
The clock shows {"hour": 6, "minute": 40}
